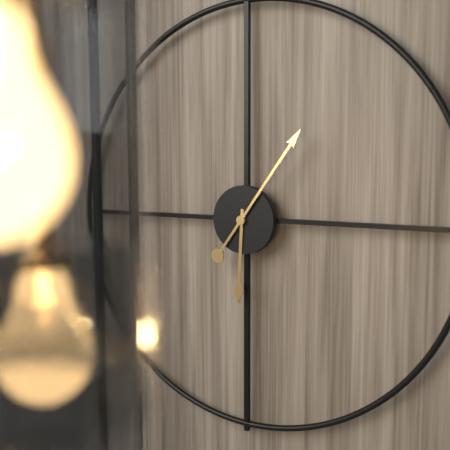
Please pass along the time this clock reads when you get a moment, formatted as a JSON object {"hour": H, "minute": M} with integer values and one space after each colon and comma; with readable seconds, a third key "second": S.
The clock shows {"hour": 6, "minute": 6}
